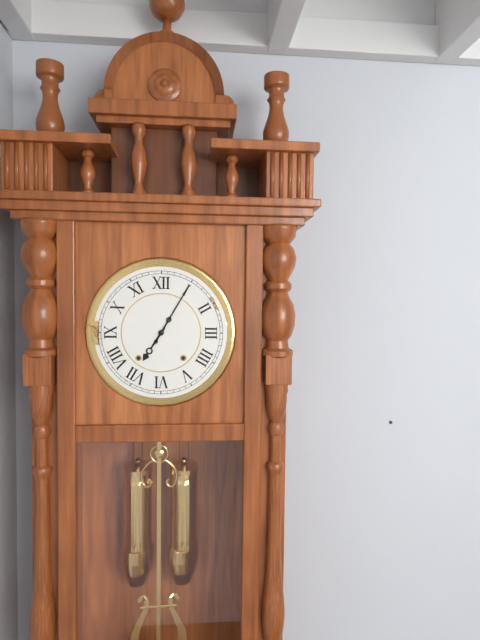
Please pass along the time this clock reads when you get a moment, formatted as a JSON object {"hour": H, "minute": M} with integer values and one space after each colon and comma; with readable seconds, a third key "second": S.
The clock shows {"hour": 7, "minute": 5}
